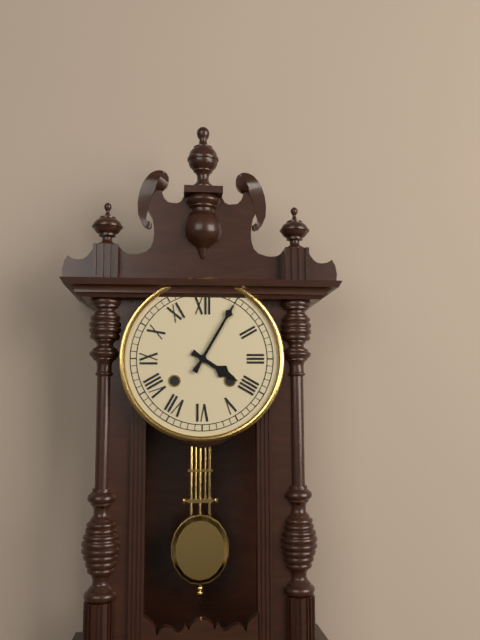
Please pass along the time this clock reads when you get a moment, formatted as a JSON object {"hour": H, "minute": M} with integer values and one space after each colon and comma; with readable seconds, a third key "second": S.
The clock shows {"hour": 4, "minute": 5}
